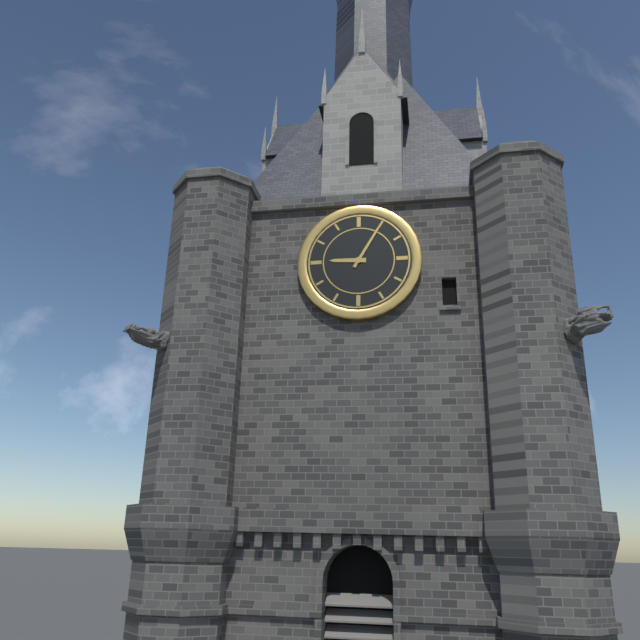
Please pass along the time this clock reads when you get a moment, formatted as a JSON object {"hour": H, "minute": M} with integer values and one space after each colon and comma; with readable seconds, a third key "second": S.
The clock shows {"hour": 9, "minute": 5}
